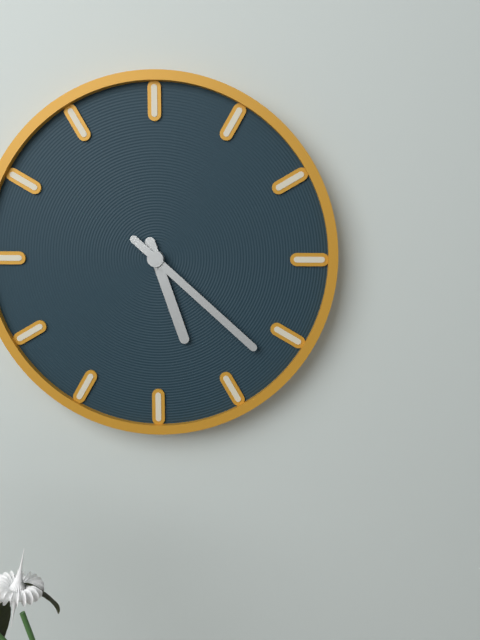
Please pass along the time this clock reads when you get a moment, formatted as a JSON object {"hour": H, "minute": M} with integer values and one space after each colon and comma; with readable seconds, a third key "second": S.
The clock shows {"hour": 5, "minute": 22}
